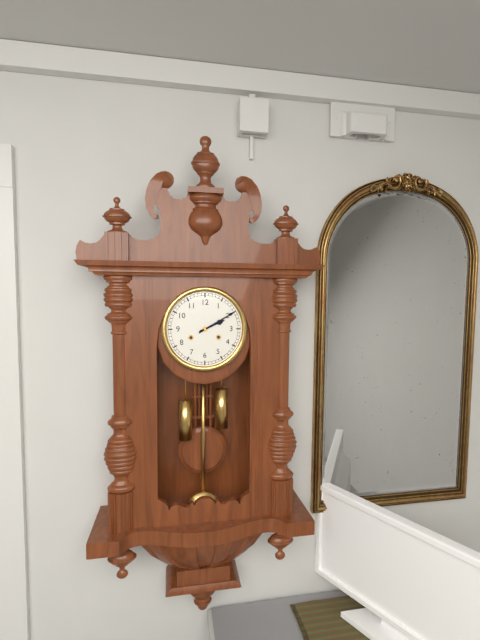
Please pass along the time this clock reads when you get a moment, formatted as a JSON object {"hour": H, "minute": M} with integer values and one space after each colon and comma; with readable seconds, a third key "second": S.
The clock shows {"hour": 2, "minute": 10}
